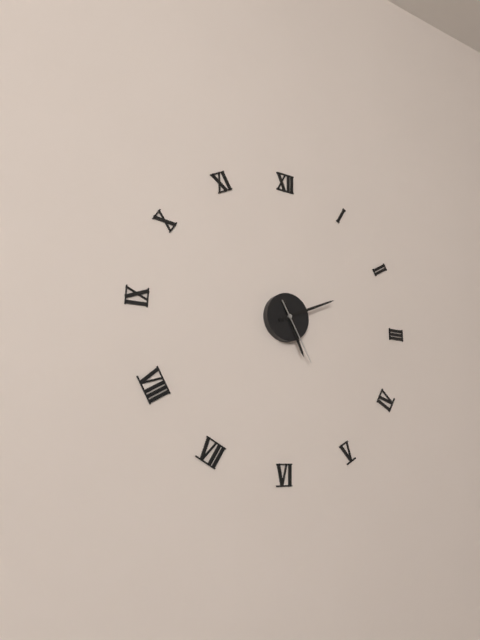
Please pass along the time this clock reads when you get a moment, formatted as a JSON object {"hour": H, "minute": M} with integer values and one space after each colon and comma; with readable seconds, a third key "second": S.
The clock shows {"hour": 5, "minute": 11, "second": 25}
